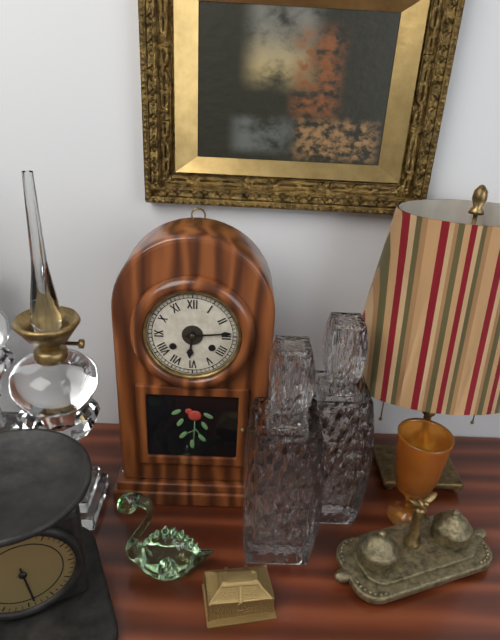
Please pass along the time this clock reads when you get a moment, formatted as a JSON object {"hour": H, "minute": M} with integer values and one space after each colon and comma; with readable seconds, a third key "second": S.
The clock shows {"hour": 6, "minute": 14}
